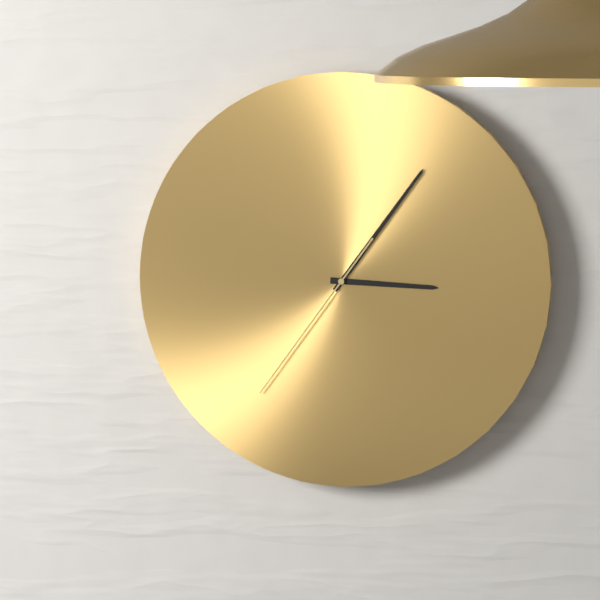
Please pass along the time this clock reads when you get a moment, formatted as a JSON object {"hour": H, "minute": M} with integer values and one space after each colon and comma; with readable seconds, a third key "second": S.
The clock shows {"hour": 3, "minute": 6, "second": 36}
